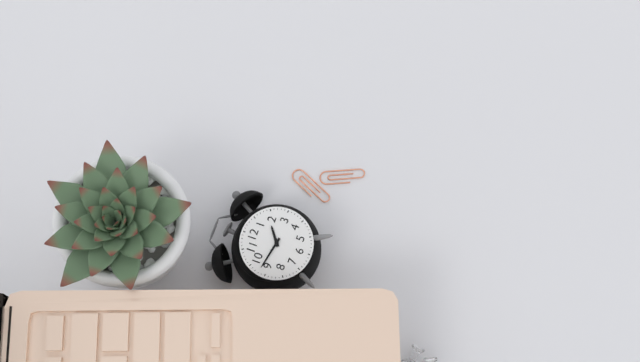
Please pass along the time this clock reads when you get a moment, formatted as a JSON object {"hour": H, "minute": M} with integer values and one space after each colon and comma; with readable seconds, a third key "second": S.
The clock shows {"hour": 1, "minute": 47}
